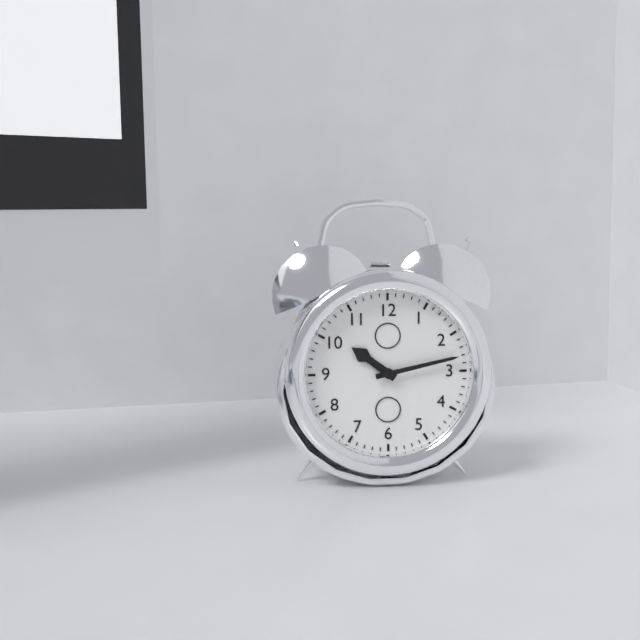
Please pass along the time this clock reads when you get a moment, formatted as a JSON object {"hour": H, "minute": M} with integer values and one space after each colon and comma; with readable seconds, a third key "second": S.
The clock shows {"hour": 10, "minute": 13}
